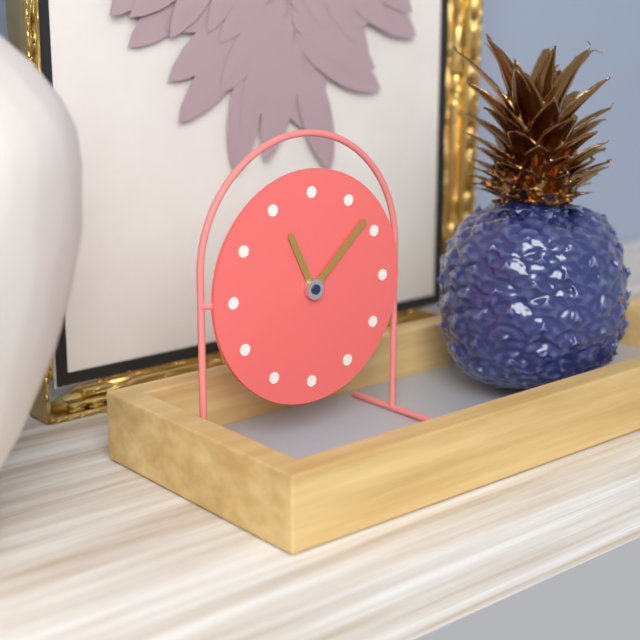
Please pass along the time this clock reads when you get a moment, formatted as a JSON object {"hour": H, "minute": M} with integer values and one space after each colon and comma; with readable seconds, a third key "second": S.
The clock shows {"hour": 11, "minute": 8}
